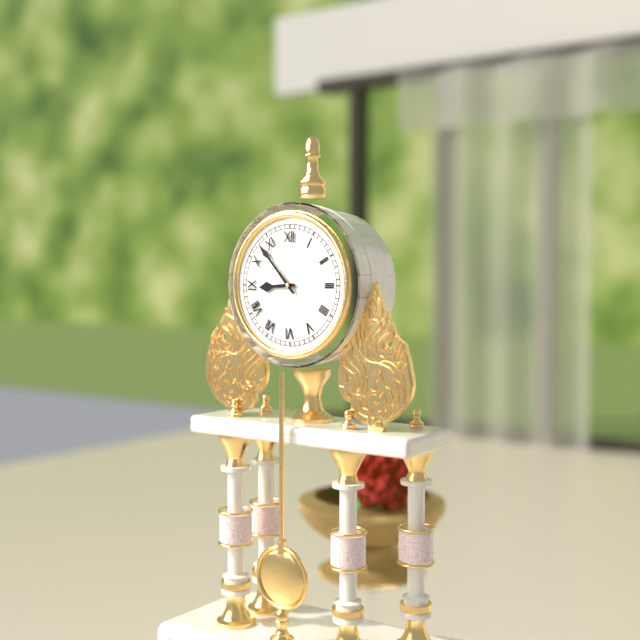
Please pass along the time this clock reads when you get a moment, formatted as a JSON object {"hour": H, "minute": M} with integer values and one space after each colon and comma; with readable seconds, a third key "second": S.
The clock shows {"hour": 8, "minute": 53}
